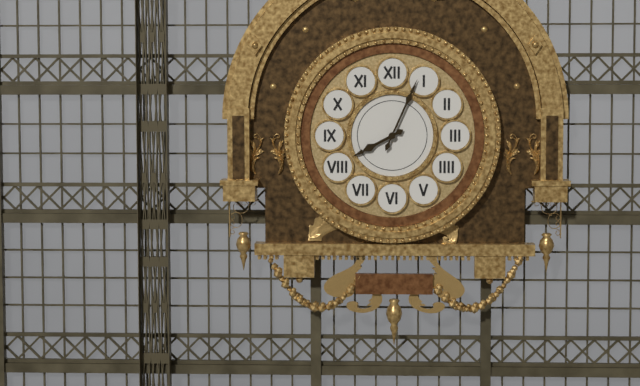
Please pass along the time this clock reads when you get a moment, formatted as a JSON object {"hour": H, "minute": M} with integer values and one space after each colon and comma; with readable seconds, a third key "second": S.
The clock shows {"hour": 8, "minute": 4}
